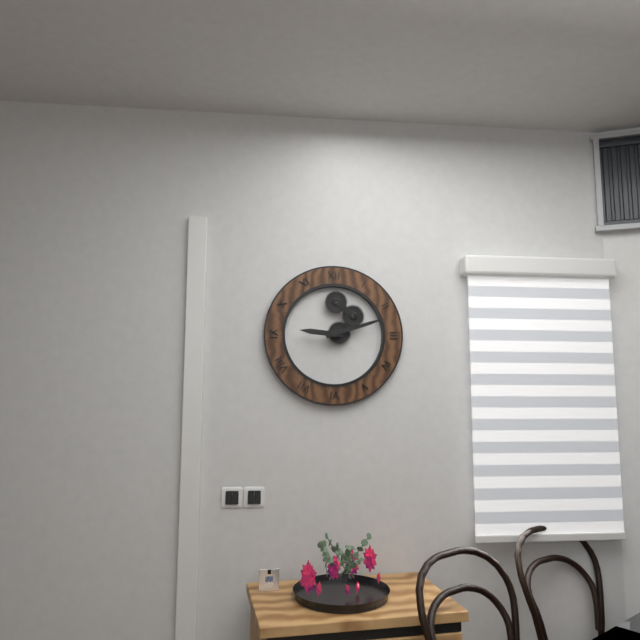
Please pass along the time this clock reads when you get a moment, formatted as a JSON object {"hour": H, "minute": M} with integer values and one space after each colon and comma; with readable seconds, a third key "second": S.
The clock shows {"hour": 9, "minute": 12}
